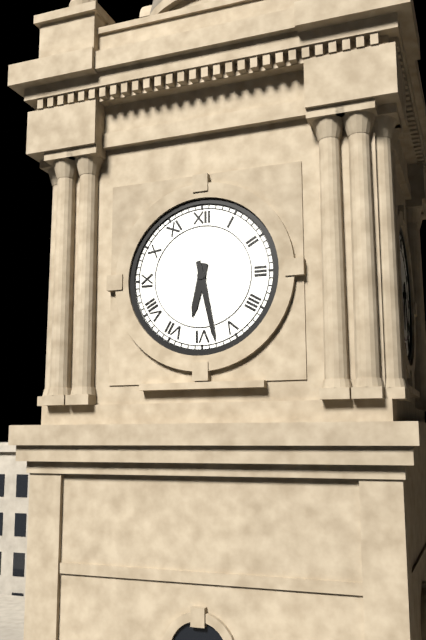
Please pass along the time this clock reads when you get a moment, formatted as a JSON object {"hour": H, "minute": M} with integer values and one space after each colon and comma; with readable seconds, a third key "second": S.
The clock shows {"hour": 6, "minute": 28}
